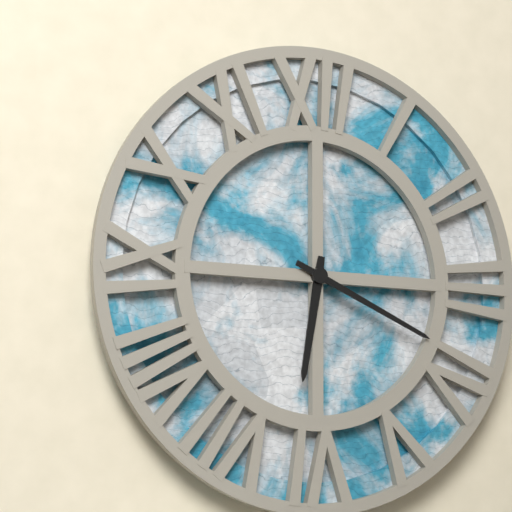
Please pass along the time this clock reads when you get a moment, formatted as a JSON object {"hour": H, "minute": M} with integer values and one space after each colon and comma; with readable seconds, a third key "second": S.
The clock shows {"hour": 6, "minute": 19}
